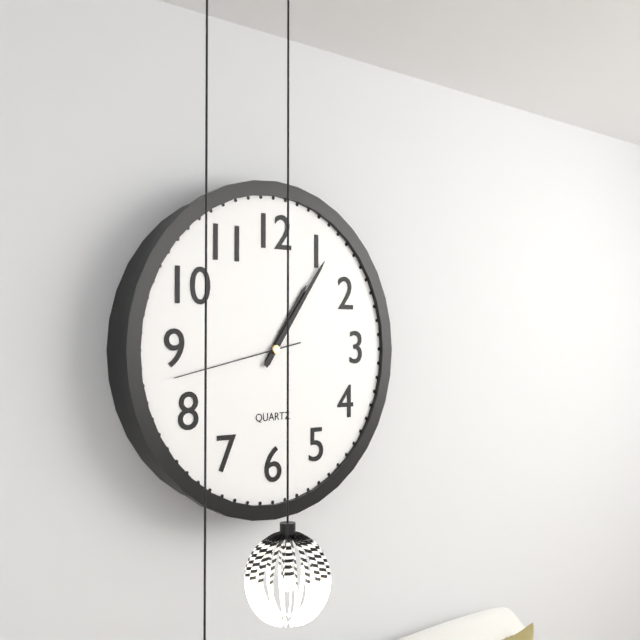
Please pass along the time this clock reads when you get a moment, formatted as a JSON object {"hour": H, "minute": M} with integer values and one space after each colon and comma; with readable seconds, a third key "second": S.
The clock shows {"hour": 1, "minute": 6, "second": 43}
